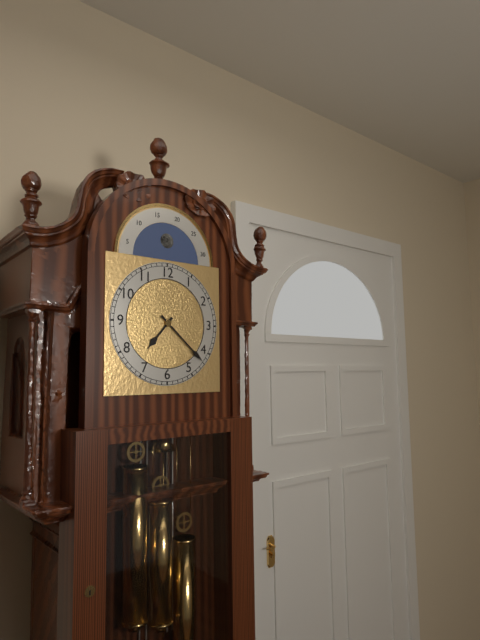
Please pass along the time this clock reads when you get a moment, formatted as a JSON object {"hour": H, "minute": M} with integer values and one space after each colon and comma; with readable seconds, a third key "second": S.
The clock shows {"hour": 7, "minute": 22}
